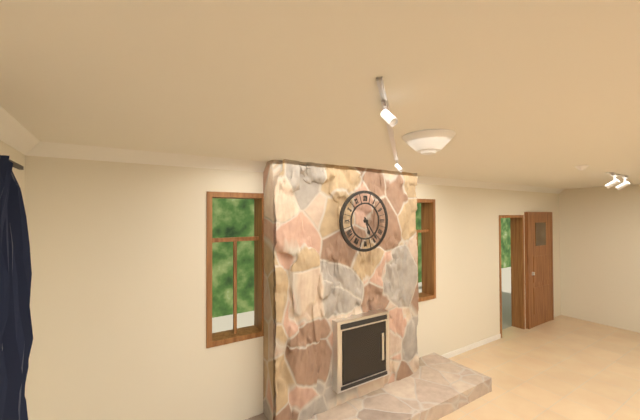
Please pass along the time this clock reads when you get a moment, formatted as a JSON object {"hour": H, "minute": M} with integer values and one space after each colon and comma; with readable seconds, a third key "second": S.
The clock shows {"hour": 5, "minute": 24}
